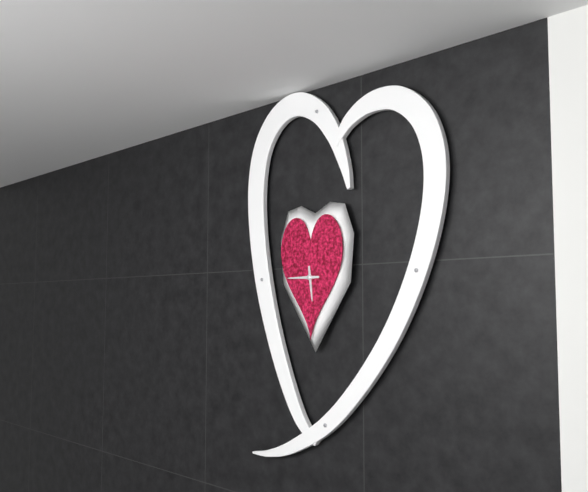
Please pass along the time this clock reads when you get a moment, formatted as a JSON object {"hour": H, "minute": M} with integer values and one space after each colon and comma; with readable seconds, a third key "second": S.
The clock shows {"hour": 5, "minute": 45}
